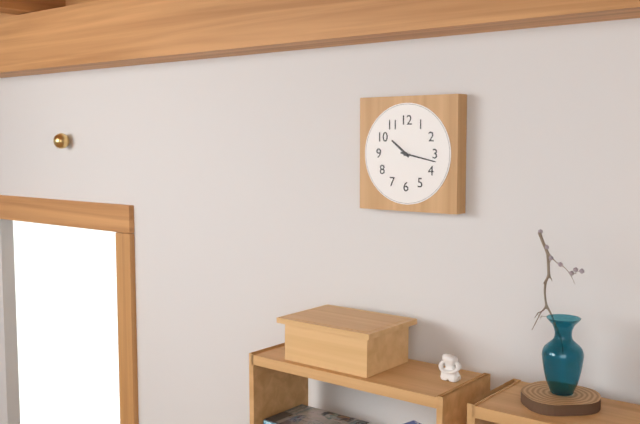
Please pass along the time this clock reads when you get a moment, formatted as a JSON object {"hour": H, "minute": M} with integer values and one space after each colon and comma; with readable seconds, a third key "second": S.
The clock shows {"hour": 10, "minute": 17}
